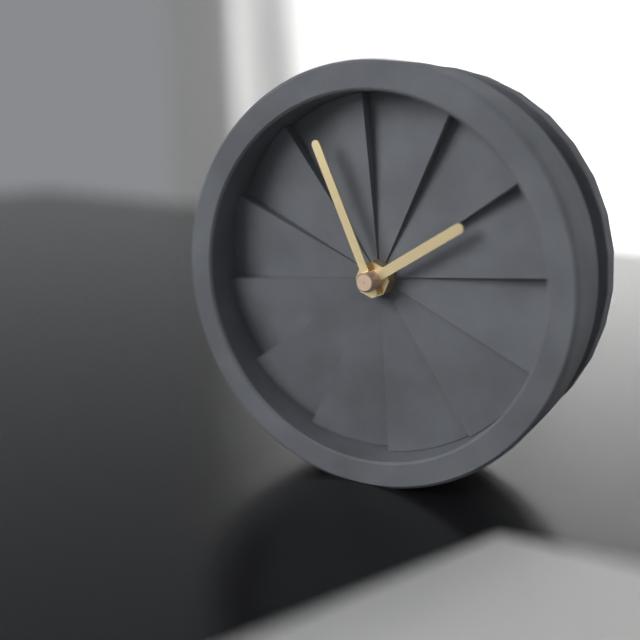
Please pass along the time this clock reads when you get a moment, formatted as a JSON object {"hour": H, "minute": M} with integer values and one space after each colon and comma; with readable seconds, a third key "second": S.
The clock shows {"hour": 1, "minute": 56}
